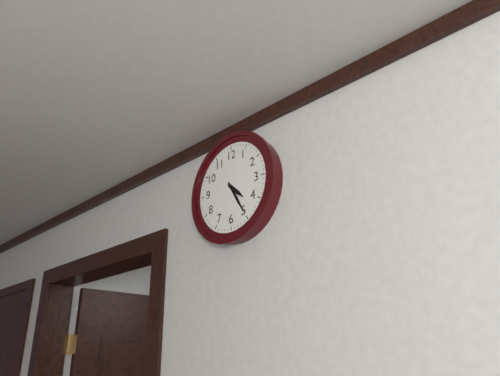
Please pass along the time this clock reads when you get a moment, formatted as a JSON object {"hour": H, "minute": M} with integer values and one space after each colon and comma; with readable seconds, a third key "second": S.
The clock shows {"hour": 4, "minute": 25}
